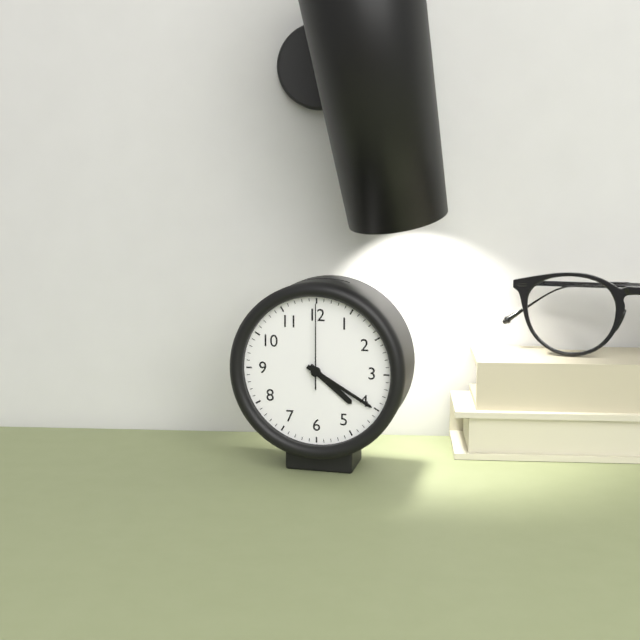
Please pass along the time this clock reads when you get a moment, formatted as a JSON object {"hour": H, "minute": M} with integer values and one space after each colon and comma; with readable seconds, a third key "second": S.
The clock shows {"hour": 4, "minute": 20, "second": 0}
